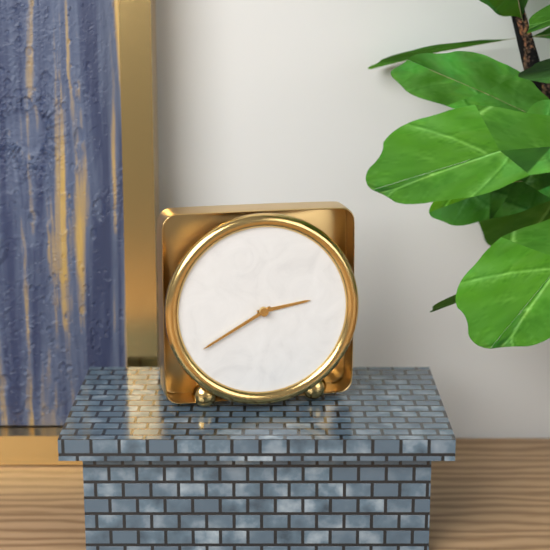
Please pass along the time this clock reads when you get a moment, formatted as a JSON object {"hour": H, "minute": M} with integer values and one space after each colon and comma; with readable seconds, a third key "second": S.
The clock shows {"hour": 2, "minute": 40}
